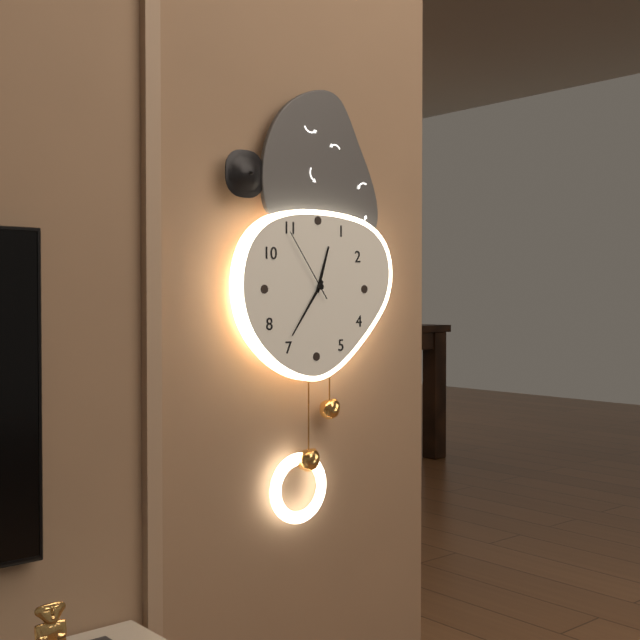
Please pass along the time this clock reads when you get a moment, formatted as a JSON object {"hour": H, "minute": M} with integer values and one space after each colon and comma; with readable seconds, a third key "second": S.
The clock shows {"hour": 12, "minute": 36, "second": 54}
